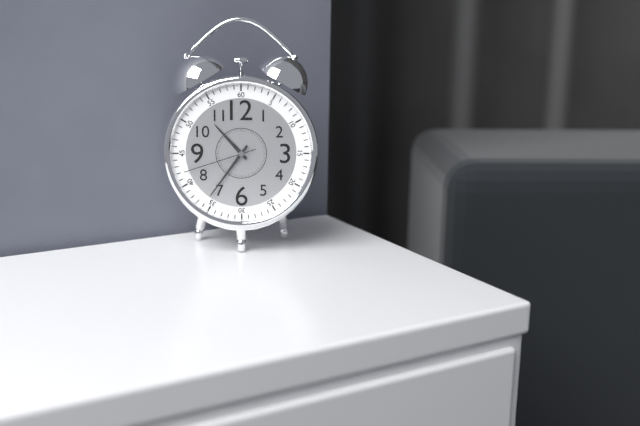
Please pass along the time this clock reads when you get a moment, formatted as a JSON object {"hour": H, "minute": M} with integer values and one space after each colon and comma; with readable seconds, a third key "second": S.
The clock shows {"hour": 10, "minute": 36, "second": 42}
